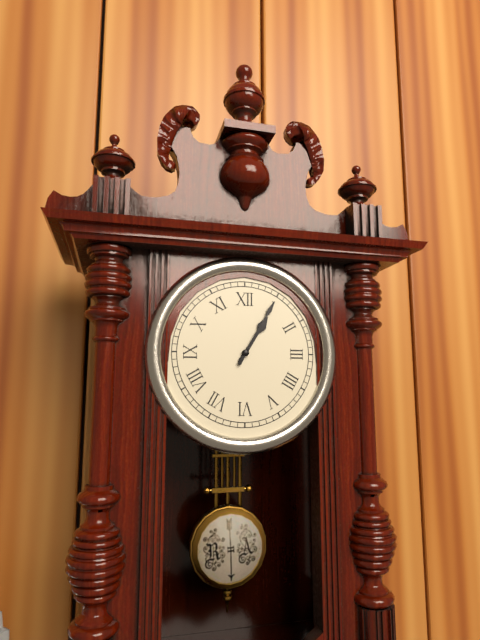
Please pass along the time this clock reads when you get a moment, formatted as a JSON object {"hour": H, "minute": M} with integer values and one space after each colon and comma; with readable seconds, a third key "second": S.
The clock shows {"hour": 1, "minute": 5}
